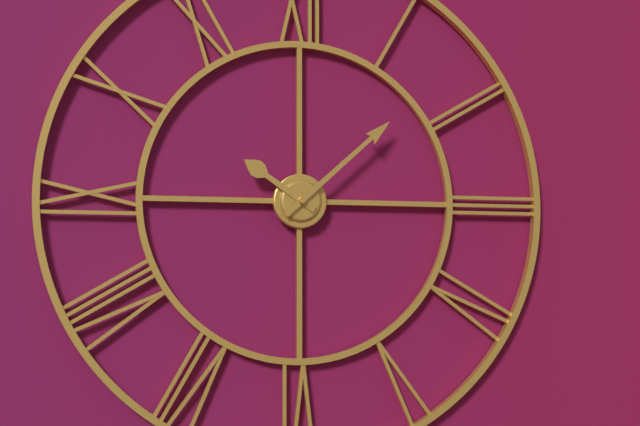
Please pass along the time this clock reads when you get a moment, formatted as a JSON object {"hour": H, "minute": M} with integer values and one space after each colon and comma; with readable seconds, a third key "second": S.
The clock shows {"hour": 10, "minute": 8}
